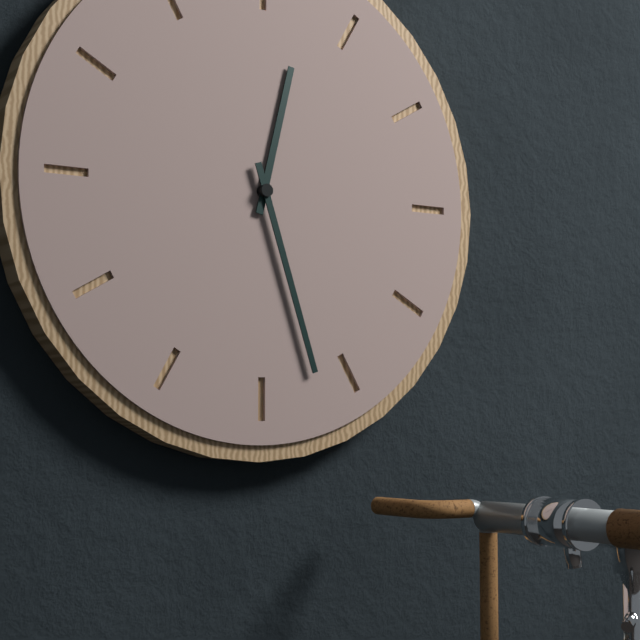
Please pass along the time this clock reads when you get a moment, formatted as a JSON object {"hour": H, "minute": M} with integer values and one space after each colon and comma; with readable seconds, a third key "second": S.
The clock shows {"hour": 12, "minute": 27}
